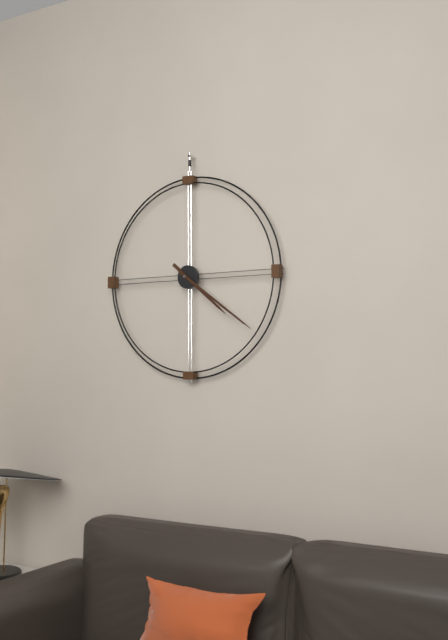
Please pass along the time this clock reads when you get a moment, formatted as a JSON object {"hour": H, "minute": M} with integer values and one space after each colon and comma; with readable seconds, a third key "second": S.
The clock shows {"hour": 4, "minute": 21}
